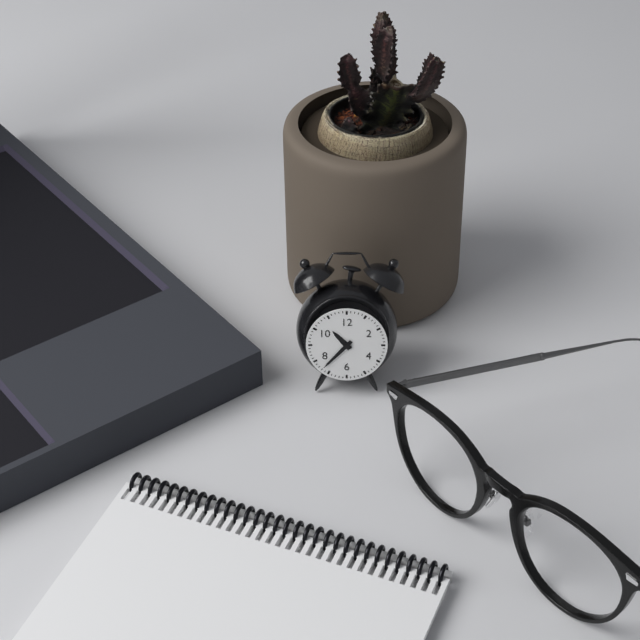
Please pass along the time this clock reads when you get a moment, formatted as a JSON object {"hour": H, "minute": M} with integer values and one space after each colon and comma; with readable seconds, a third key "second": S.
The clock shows {"hour": 10, "minute": 37}
